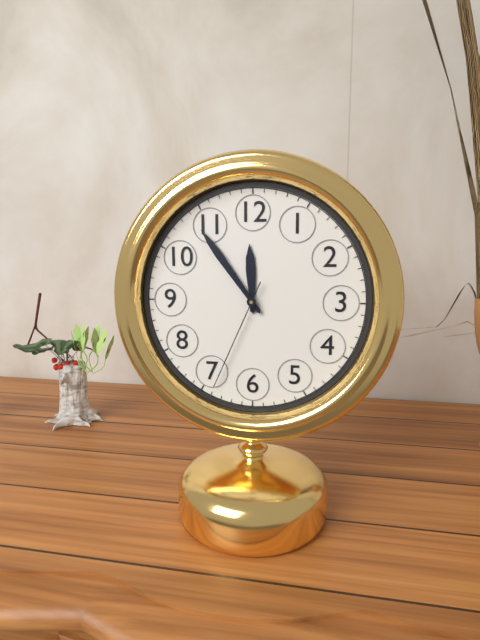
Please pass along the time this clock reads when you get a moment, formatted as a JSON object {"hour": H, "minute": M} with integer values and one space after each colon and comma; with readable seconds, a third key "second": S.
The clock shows {"hour": 11, "minute": 54, "second": 34}
